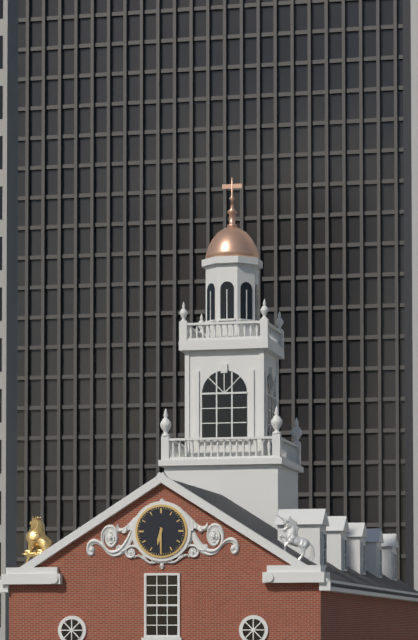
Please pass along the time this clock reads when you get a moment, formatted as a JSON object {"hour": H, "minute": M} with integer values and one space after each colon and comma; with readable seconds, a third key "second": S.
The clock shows {"hour": 6, "minute": 30}
